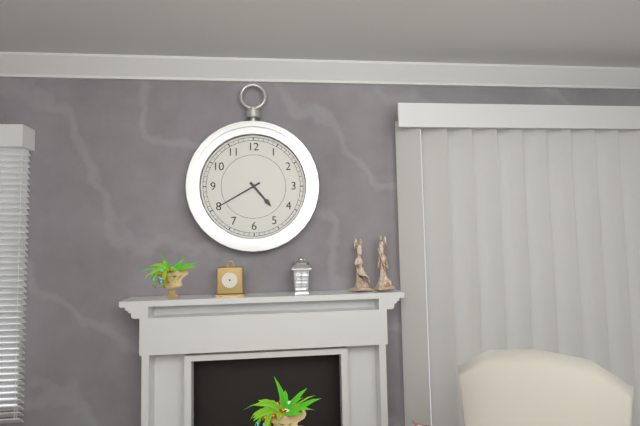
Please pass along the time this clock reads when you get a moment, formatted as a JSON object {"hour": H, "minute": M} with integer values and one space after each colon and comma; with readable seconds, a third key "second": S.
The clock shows {"hour": 4, "minute": 40}
